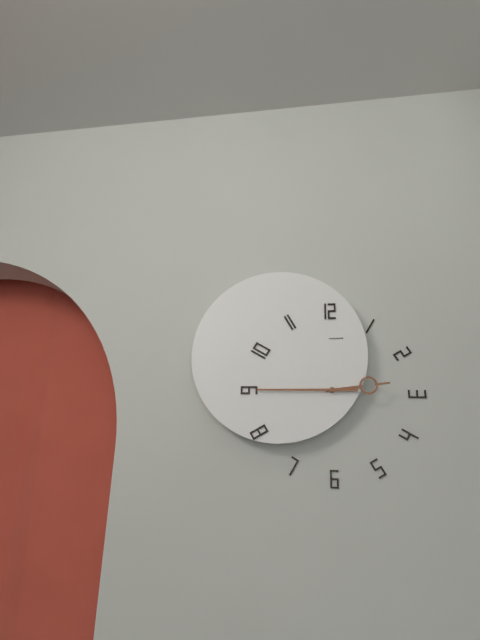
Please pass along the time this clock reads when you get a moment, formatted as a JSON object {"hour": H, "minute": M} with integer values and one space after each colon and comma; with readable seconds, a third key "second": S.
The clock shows {"hour": 2, "minute": 45}
